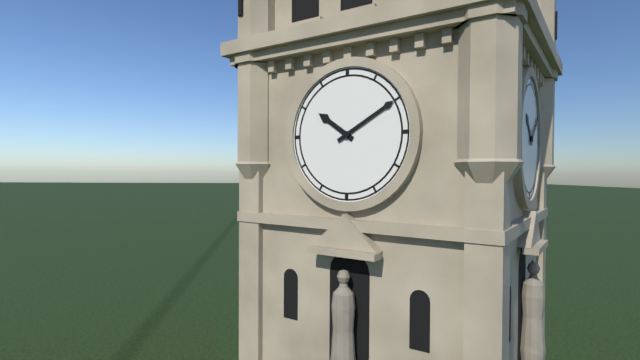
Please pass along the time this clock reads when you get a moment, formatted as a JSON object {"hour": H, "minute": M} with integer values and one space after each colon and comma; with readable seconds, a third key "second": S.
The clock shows {"hour": 10, "minute": 10}
